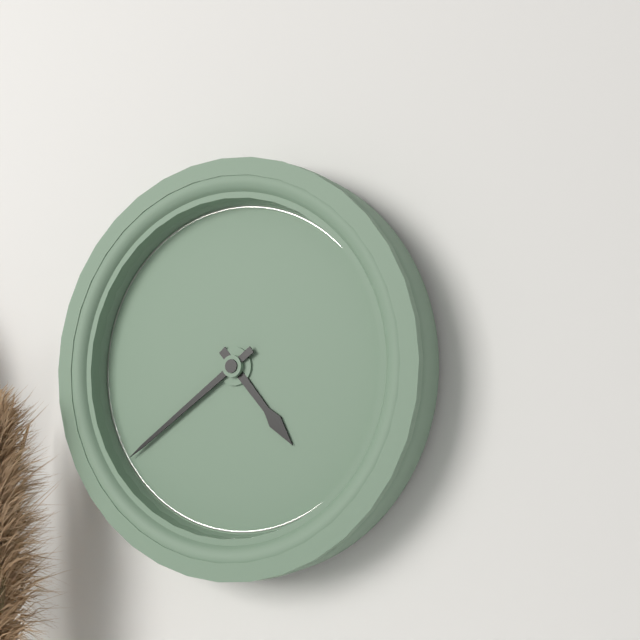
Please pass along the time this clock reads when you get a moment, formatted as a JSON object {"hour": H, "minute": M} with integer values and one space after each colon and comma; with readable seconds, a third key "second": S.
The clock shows {"hour": 4, "minute": 39}
